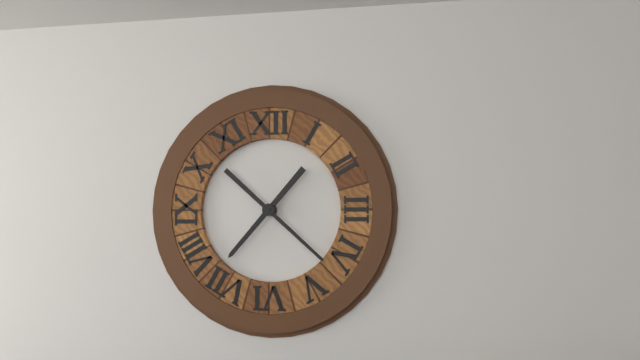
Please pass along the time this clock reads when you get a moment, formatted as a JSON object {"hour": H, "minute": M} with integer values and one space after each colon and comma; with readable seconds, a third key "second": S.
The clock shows {"hour": 7, "minute": 22}
